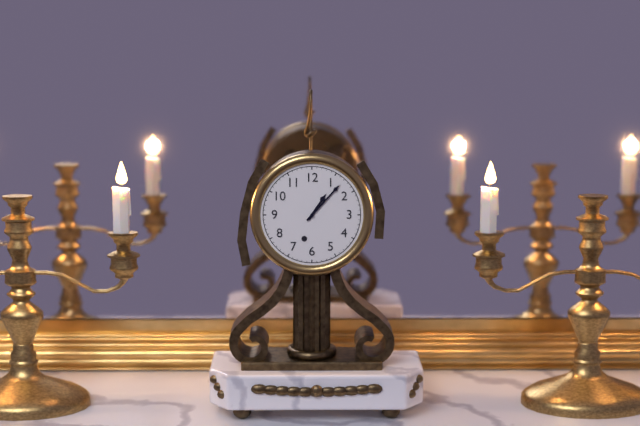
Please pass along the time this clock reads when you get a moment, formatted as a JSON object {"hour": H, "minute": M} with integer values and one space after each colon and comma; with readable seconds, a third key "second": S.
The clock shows {"hour": 1, "minute": 7}
